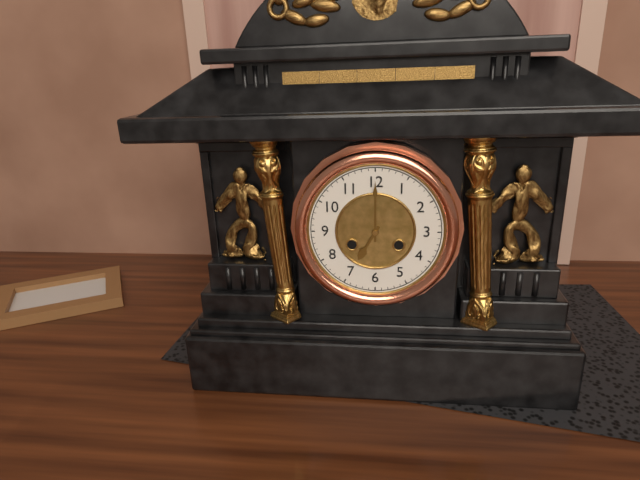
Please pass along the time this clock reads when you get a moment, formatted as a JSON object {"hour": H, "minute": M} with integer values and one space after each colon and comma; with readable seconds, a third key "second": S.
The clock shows {"hour": 7, "minute": 0}
